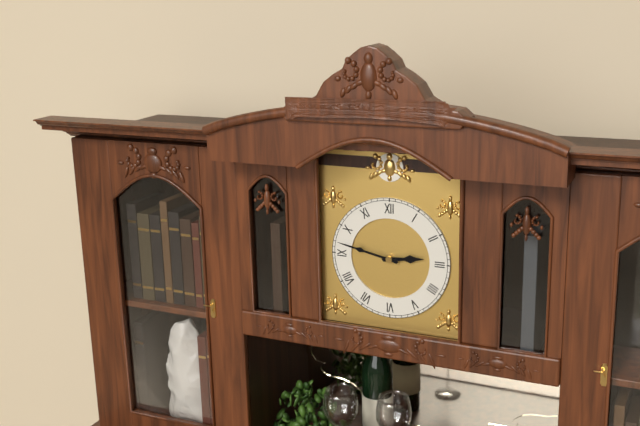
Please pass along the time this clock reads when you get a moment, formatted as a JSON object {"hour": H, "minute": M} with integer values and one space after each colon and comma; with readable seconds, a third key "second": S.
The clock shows {"hour": 2, "minute": 47}
